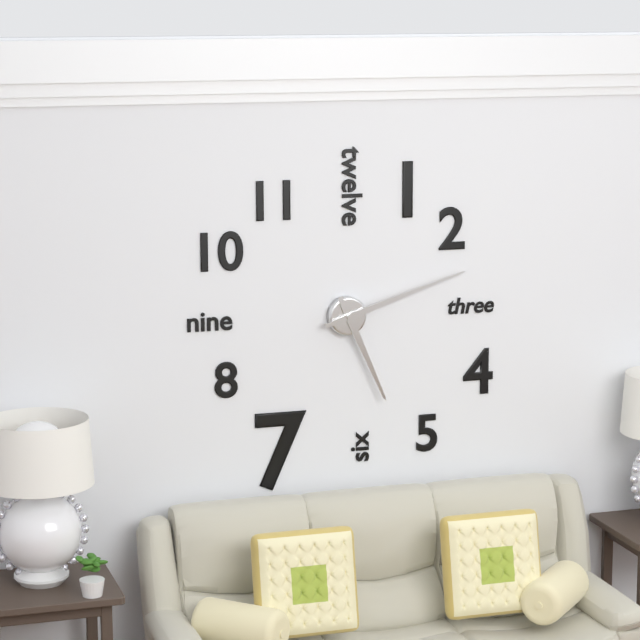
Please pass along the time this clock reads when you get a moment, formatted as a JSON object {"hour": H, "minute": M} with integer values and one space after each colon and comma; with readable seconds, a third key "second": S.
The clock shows {"hour": 5, "minute": 12}
